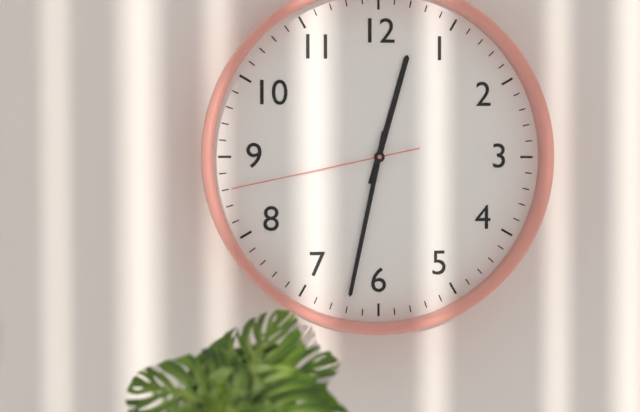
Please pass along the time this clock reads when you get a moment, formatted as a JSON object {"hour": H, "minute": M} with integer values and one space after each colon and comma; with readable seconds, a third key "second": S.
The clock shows {"hour": 12, "minute": 32, "second": 43}
